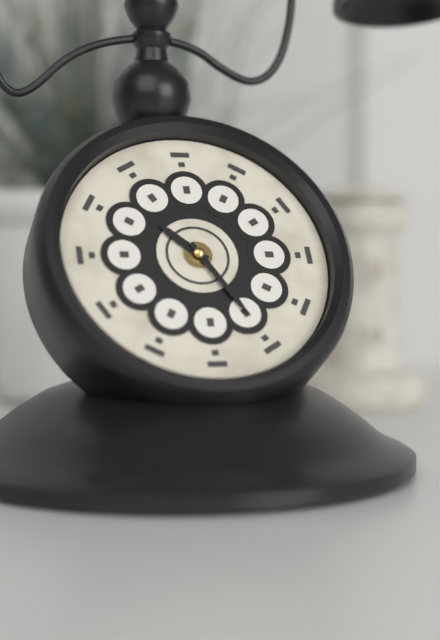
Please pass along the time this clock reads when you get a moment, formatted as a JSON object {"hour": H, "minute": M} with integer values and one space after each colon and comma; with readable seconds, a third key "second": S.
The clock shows {"hour": 10, "minute": 25}
